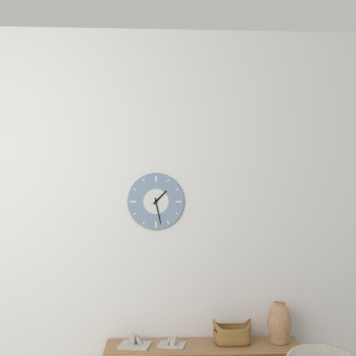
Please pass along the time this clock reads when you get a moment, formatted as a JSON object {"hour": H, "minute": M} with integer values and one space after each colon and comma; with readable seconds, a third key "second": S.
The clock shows {"hour": 1, "minute": 28}
